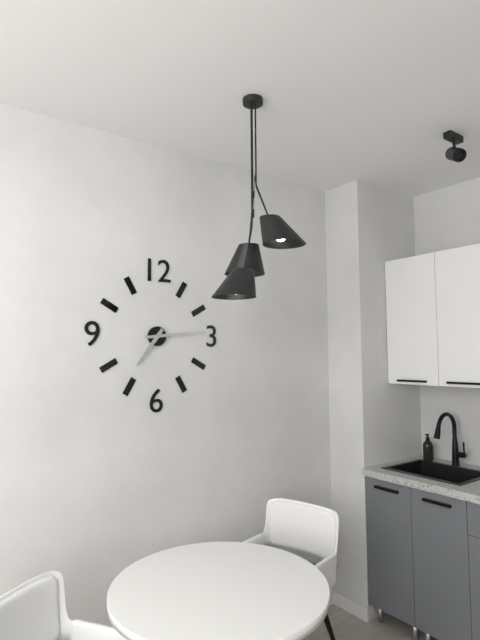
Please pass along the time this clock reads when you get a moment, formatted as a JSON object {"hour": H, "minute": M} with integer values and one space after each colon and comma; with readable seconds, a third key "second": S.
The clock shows {"hour": 7, "minute": 14}
